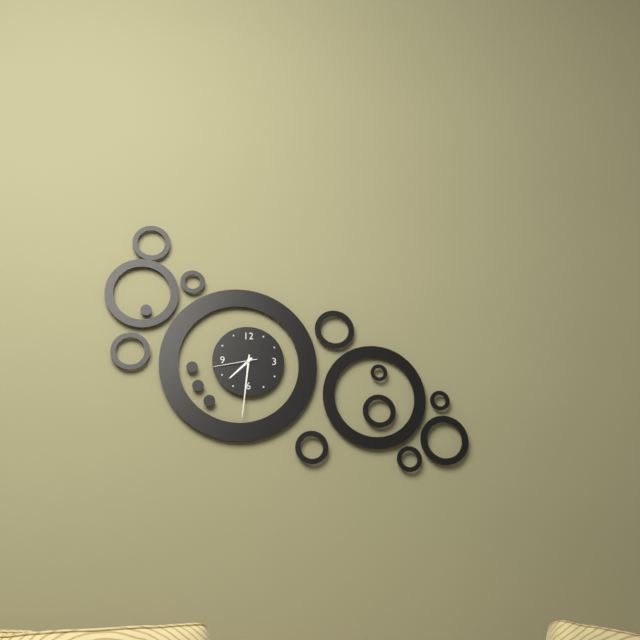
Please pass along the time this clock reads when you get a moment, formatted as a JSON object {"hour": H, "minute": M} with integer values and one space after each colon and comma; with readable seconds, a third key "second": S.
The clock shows {"hour": 7, "minute": 31}
